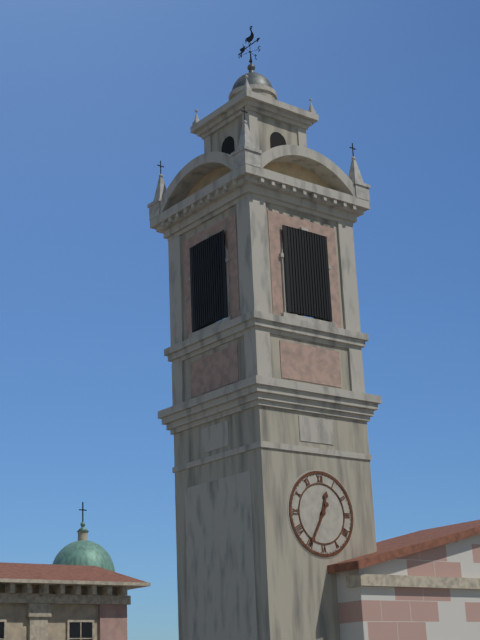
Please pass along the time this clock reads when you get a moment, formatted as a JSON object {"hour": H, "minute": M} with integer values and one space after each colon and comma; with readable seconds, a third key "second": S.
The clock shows {"hour": 12, "minute": 35}
